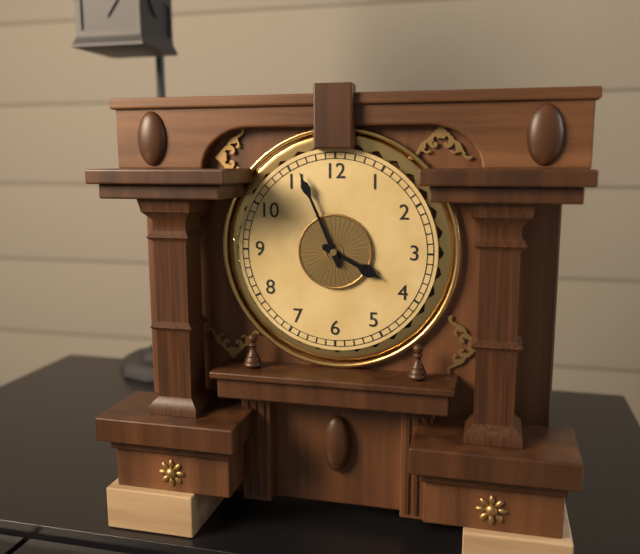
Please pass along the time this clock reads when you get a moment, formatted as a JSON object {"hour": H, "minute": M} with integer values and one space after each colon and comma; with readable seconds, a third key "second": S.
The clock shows {"hour": 3, "minute": 56}
